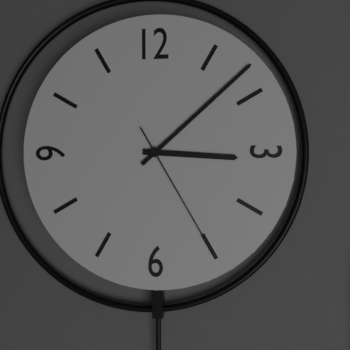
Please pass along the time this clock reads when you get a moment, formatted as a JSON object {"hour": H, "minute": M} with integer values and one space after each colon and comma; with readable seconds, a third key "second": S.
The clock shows {"hour": 3, "minute": 8, "second": 25}
